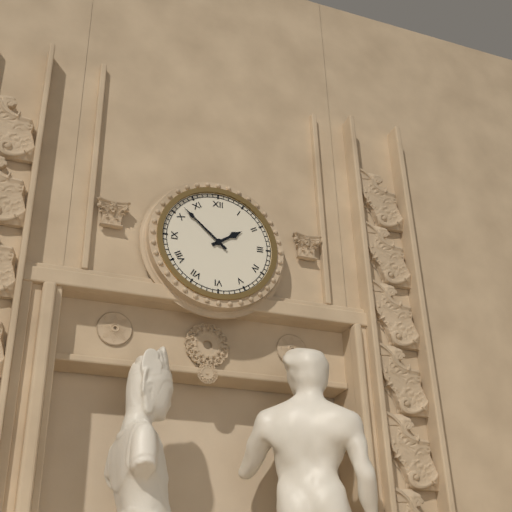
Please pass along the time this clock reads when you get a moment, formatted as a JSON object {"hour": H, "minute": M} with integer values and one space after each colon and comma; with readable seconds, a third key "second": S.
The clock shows {"hour": 1, "minute": 52}
